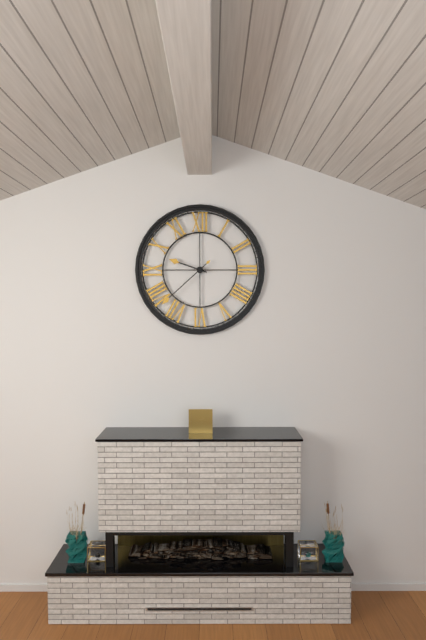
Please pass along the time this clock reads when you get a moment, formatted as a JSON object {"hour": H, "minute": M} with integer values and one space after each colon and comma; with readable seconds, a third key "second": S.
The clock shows {"hour": 9, "minute": 38}
